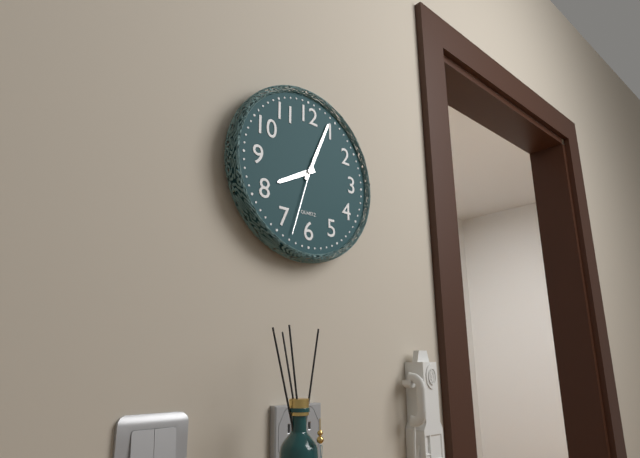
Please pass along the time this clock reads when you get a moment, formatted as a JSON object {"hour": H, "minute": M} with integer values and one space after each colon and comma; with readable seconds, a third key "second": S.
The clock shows {"hour": 8, "minute": 4, "second": 33}
